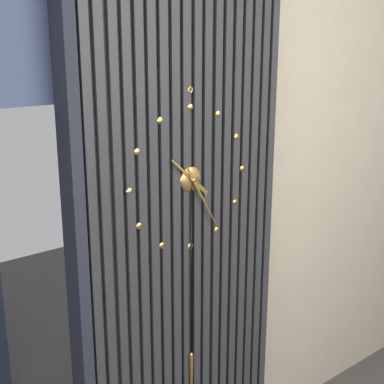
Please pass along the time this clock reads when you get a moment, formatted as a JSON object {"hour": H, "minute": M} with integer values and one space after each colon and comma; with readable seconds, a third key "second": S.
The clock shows {"hour": 10, "minute": 25}
